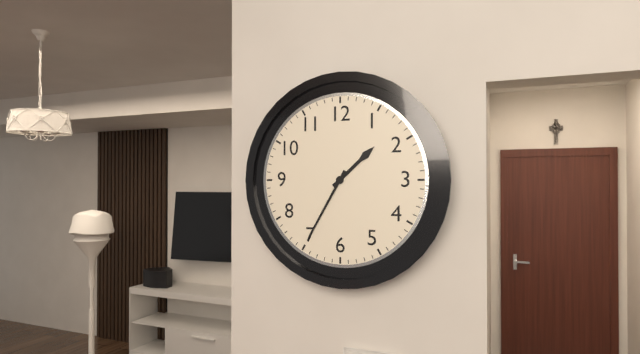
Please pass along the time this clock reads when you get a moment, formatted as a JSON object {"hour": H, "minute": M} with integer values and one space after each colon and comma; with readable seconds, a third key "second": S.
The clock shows {"hour": 1, "minute": 35}
